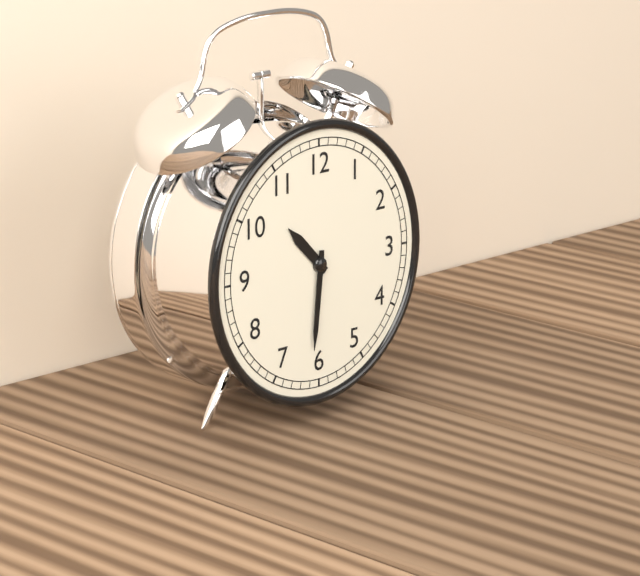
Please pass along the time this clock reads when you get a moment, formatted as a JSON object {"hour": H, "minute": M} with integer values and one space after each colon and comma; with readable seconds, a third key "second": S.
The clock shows {"hour": 10, "minute": 31}
